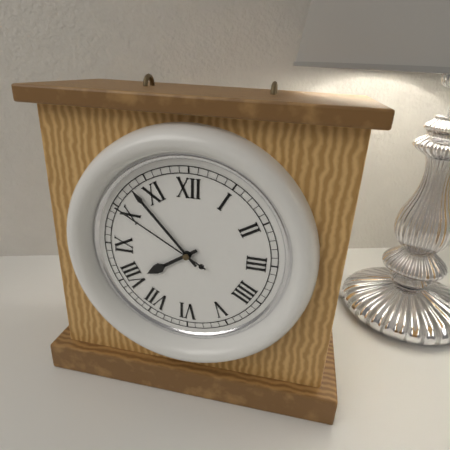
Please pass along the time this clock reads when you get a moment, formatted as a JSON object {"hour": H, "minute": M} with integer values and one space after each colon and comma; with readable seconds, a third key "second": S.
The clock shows {"hour": 7, "minute": 53, "second": 50}
